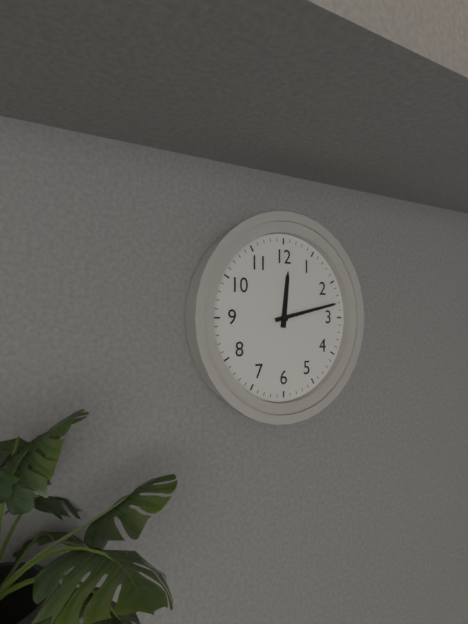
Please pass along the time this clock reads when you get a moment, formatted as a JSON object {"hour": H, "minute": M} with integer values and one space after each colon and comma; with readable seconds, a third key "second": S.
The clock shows {"hour": 12, "minute": 13}
